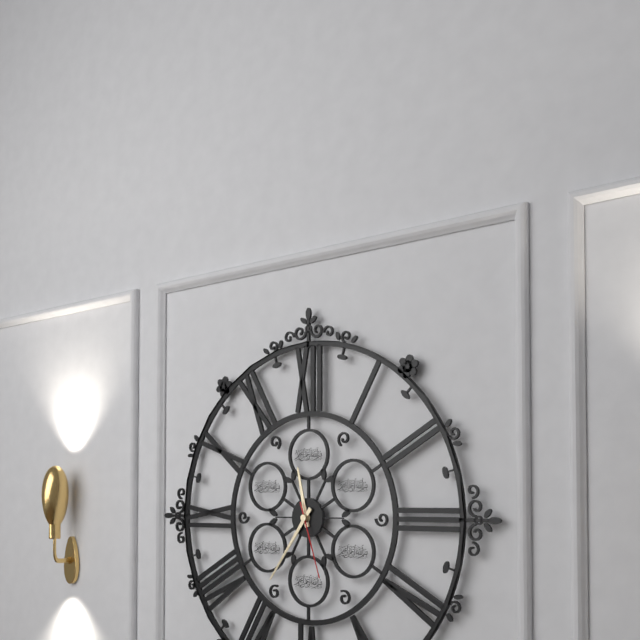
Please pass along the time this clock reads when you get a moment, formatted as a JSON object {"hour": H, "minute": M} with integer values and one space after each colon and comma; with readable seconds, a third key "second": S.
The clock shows {"hour": 11, "minute": 36, "second": 27}
